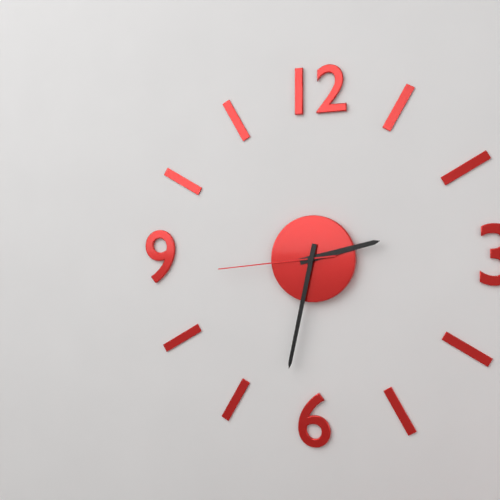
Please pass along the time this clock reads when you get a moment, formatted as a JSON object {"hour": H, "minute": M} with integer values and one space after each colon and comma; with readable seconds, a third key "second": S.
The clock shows {"hour": 2, "minute": 32, "second": 44}
